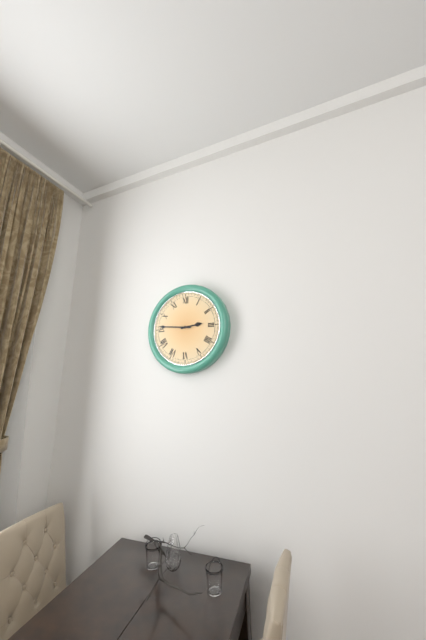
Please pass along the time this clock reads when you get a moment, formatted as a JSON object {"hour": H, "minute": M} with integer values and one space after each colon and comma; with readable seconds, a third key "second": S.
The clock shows {"hour": 2, "minute": 46}
